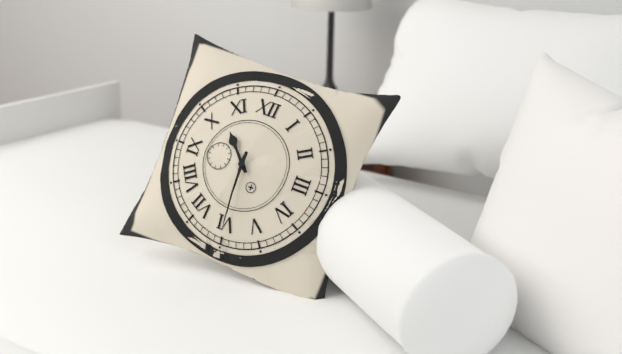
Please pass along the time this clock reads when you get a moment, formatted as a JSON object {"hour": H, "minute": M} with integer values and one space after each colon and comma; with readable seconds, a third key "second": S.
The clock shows {"hour": 10, "minute": 30}
